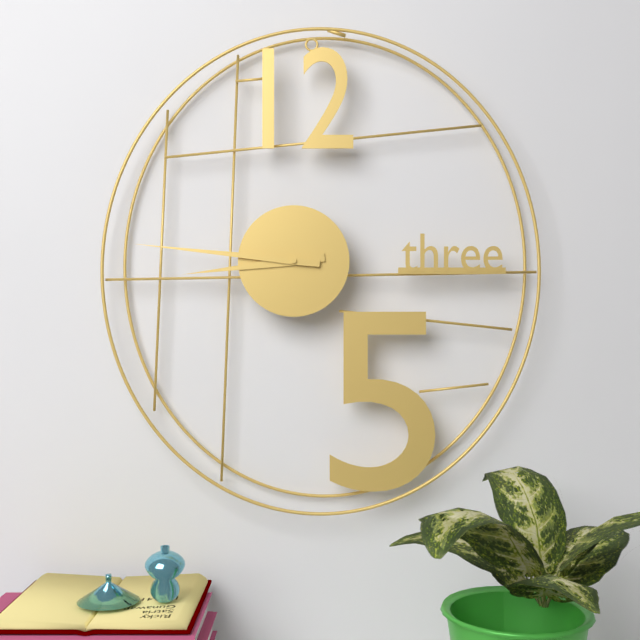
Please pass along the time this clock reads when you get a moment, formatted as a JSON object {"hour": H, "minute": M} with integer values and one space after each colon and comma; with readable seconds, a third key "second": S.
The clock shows {"hour": 8, "minute": 46}
